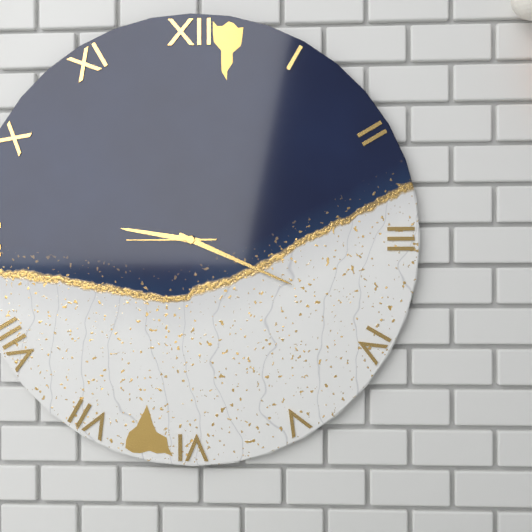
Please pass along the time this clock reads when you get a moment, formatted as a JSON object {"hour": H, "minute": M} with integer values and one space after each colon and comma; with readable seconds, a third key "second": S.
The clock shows {"hour": 9, "minute": 19, "second": 45}
